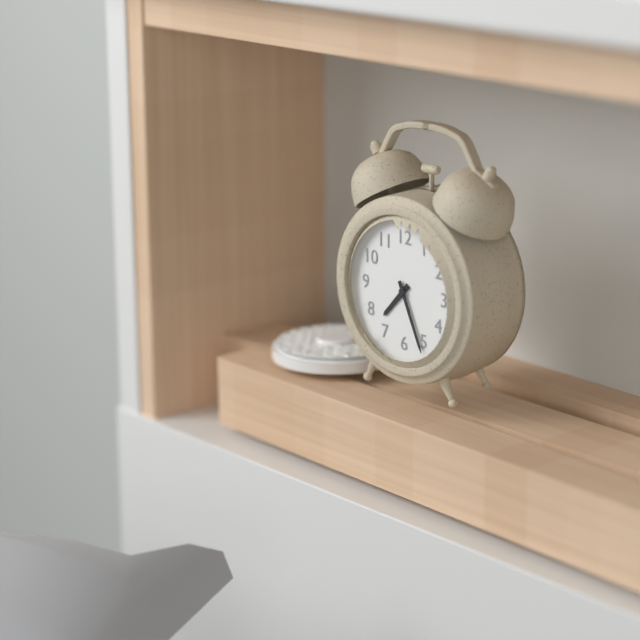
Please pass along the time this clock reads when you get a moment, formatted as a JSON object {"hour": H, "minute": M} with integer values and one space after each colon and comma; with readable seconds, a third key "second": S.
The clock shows {"hour": 7, "minute": 26}
